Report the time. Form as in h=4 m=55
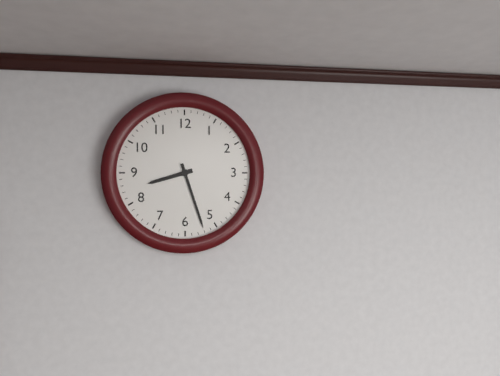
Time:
h=8 m=27
